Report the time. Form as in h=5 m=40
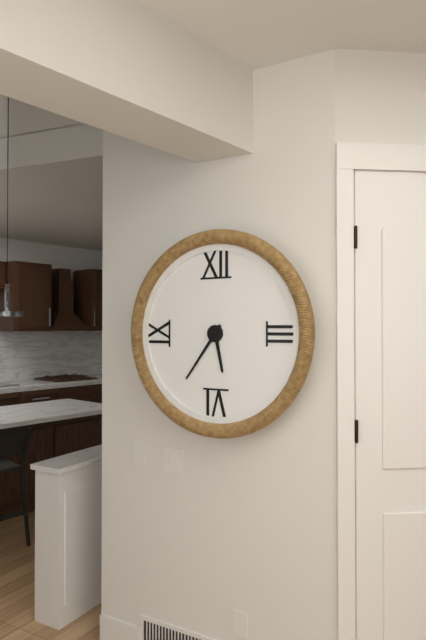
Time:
h=5 m=36
